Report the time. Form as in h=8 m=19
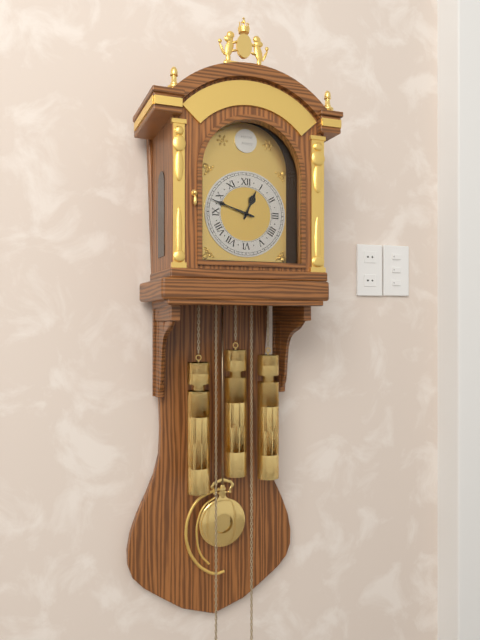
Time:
h=12 m=48
